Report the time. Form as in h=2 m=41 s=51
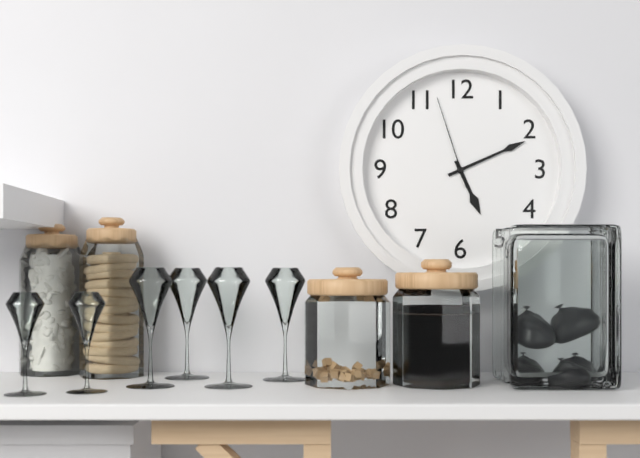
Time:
h=5 m=11 s=57
